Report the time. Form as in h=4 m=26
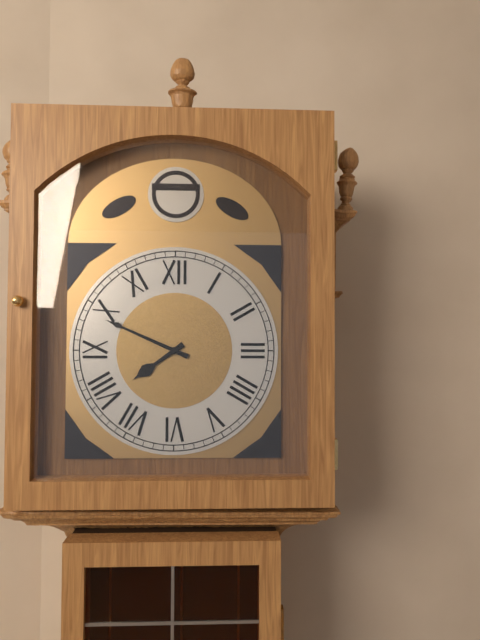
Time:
h=7 m=49
